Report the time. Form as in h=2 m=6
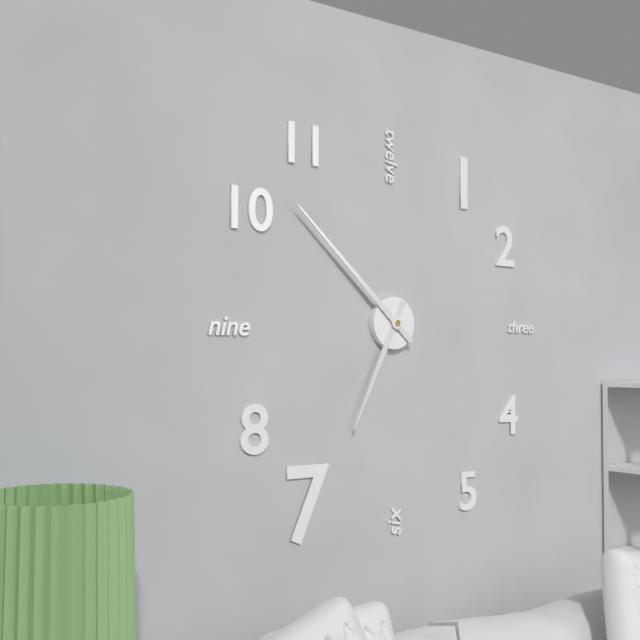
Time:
h=6 m=52
